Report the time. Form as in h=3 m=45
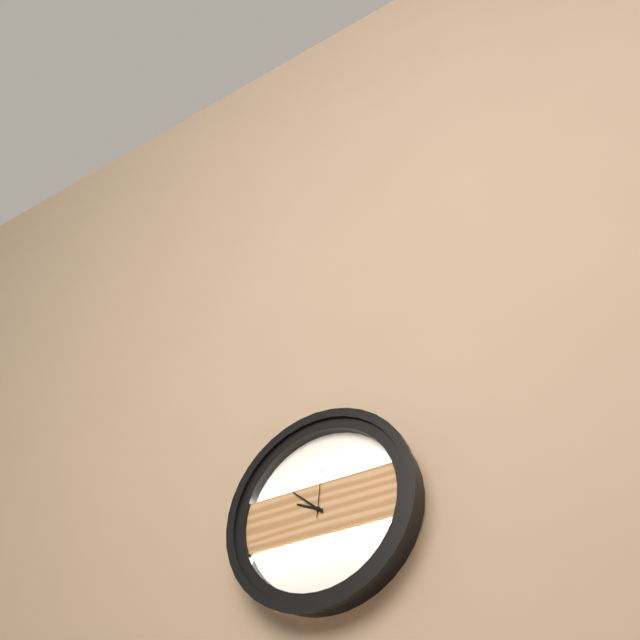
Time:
h=9 m=52
